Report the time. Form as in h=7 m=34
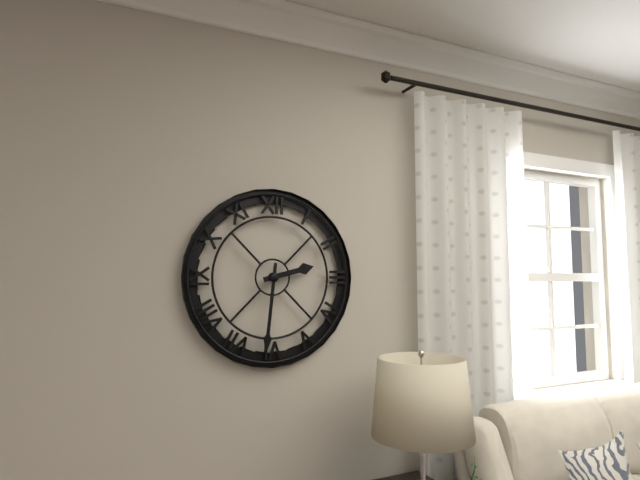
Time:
h=2 m=31
